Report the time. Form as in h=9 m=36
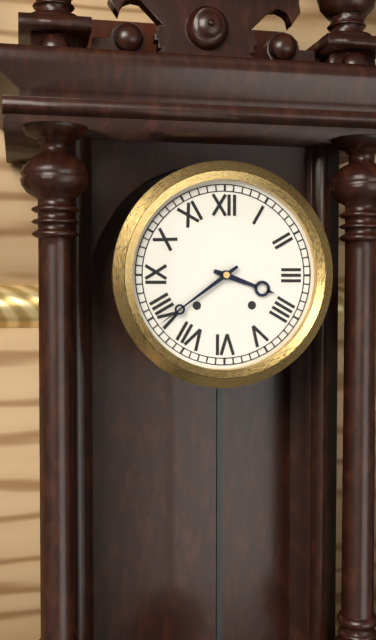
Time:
h=3 m=39
